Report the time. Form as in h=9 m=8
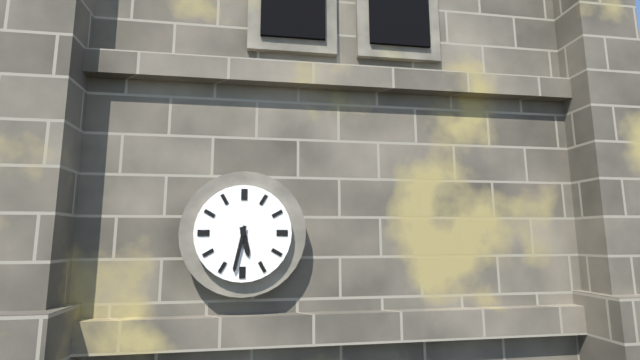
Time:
h=5 m=32
